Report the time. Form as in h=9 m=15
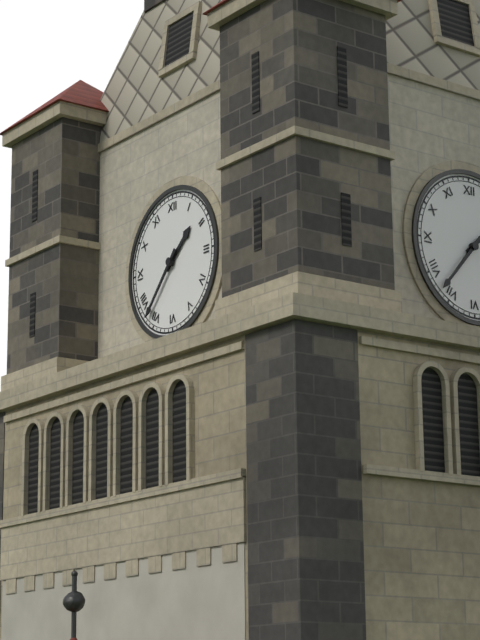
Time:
h=1 m=37
